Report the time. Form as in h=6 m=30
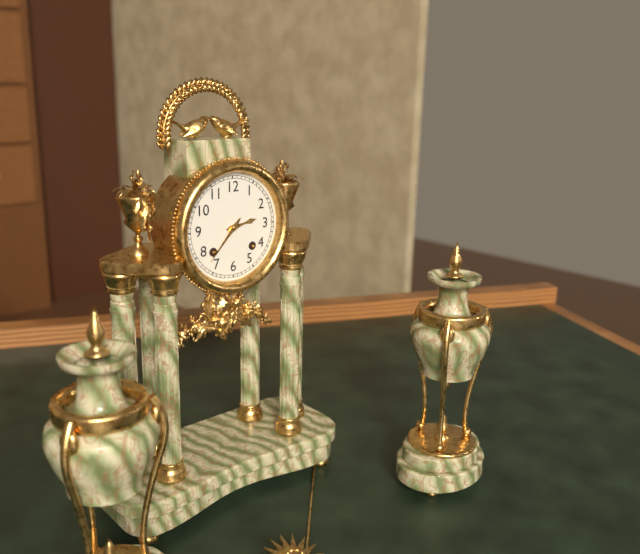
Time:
h=2 m=37
